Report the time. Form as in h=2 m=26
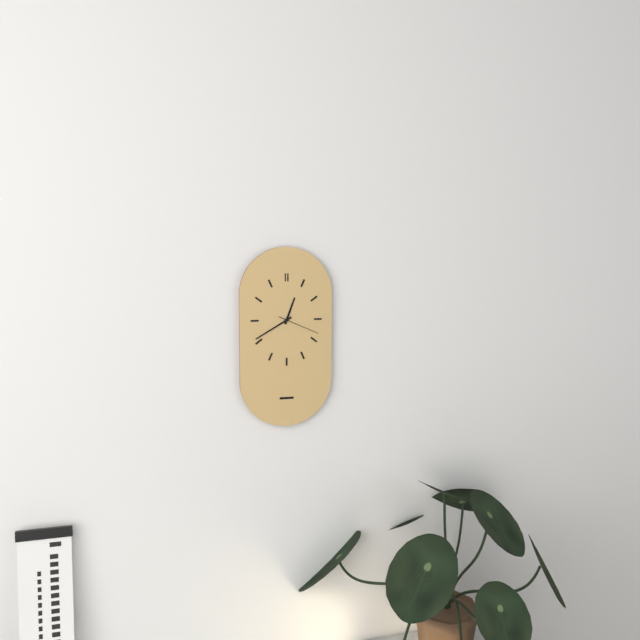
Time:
h=12 m=40
